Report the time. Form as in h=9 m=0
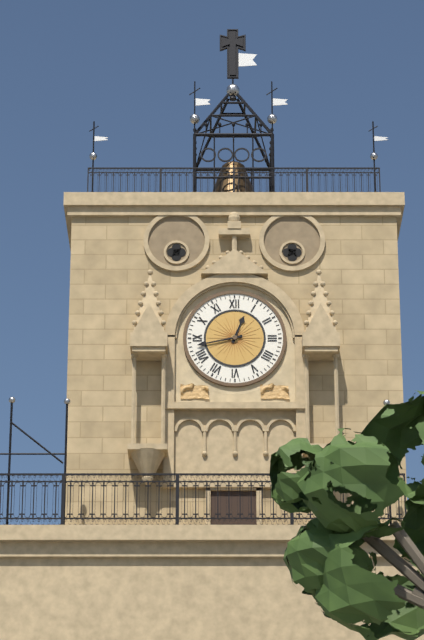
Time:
h=12 m=43
